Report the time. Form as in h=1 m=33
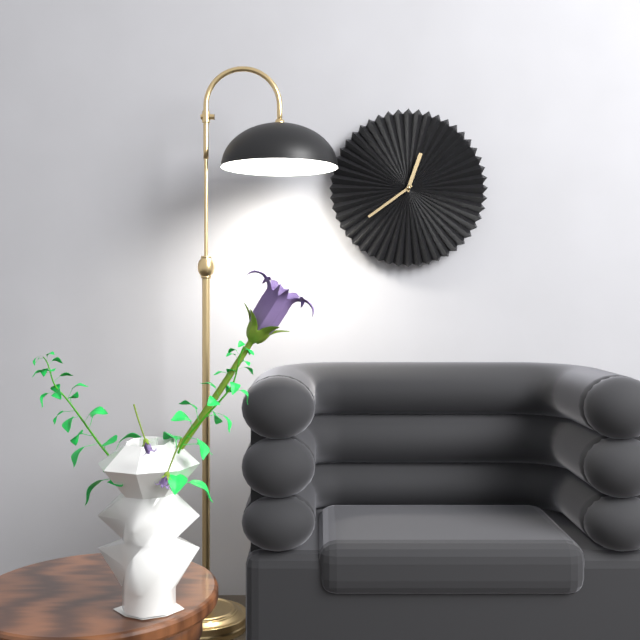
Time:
h=12 m=39
